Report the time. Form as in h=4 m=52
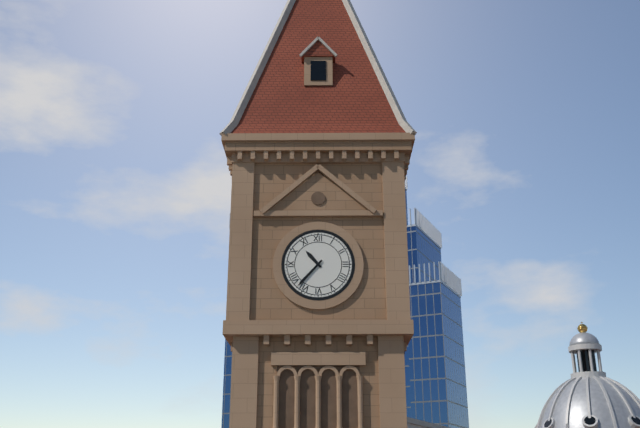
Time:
h=10 m=37
